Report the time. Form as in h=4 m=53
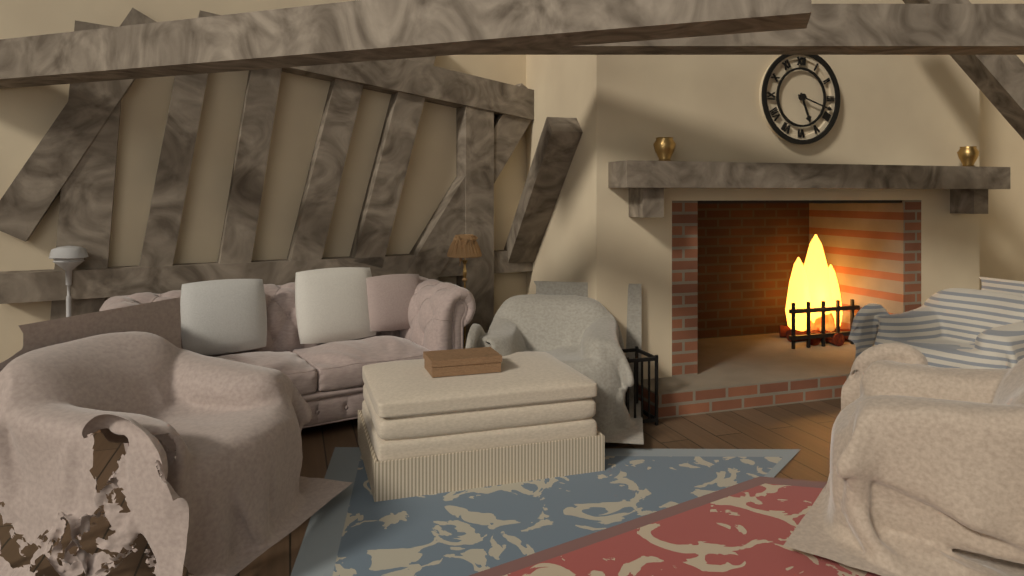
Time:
h=5 m=18
